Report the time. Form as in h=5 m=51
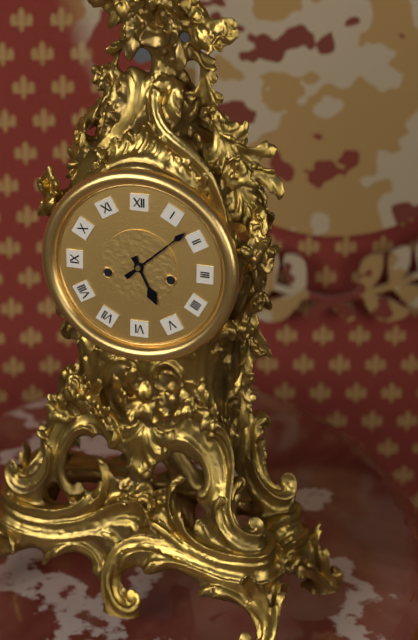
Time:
h=5 m=8
